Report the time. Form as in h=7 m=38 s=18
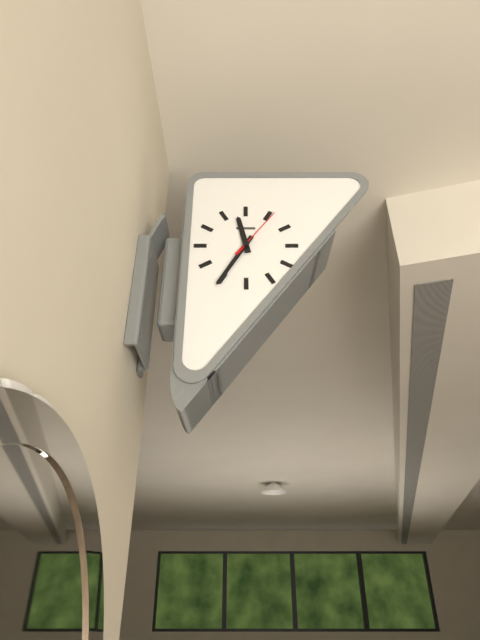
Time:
h=11 m=35 s=6
